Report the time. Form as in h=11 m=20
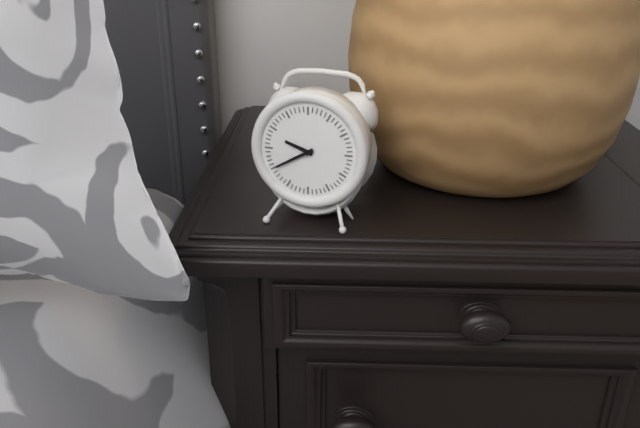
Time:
h=9 m=40
